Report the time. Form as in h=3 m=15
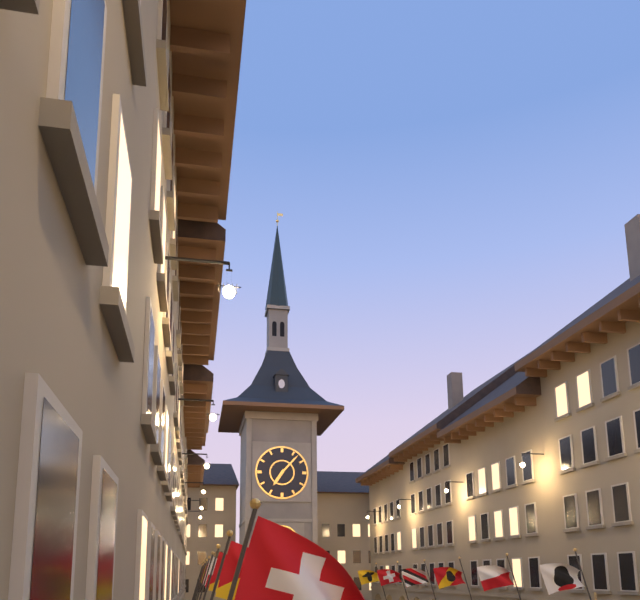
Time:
h=7 m=7
